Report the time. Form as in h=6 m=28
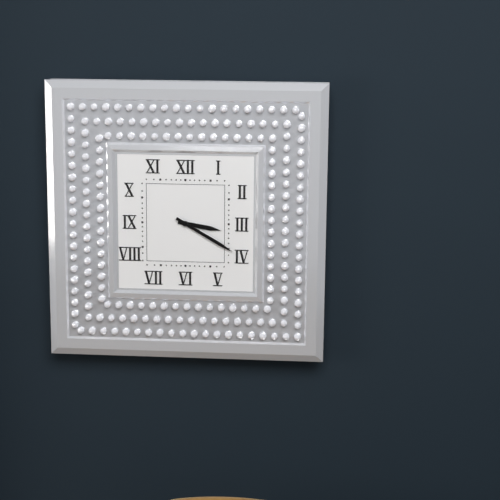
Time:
h=3 m=20
